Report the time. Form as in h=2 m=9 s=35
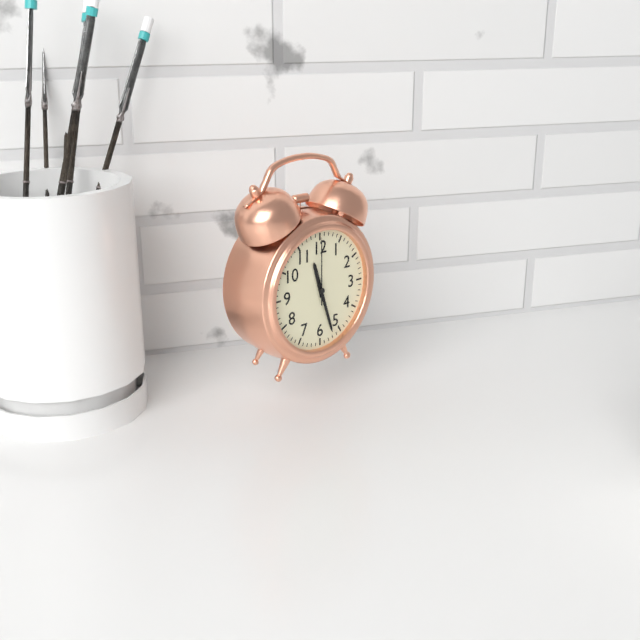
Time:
h=11 m=27 s=0
